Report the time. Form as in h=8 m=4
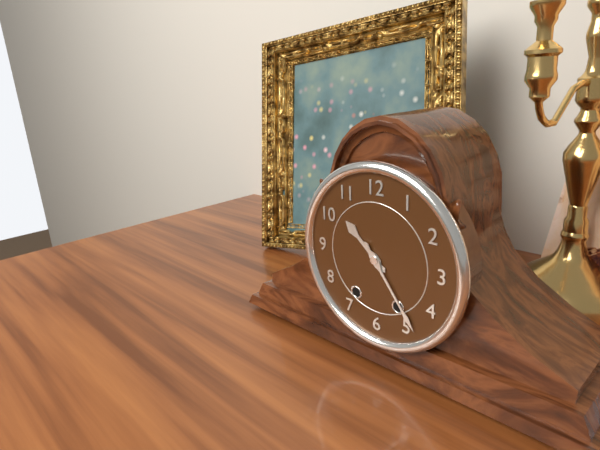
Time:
h=10 m=24
